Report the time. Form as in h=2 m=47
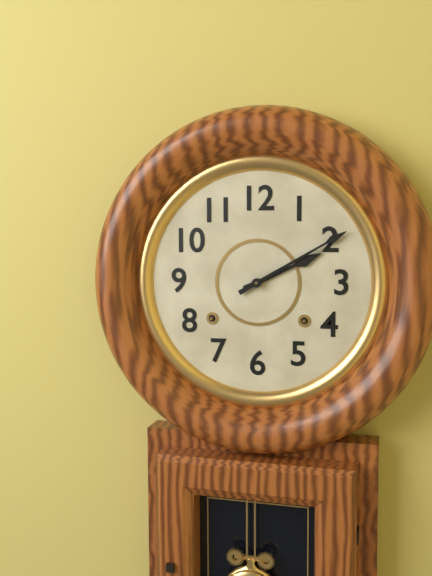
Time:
h=2 m=10
